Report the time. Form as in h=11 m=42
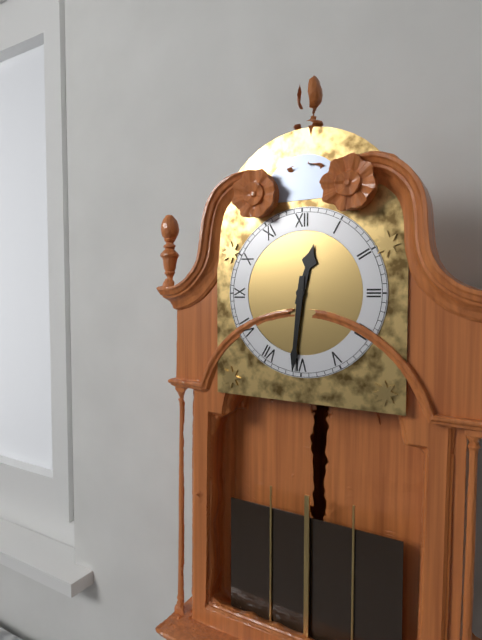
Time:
h=12 m=31
